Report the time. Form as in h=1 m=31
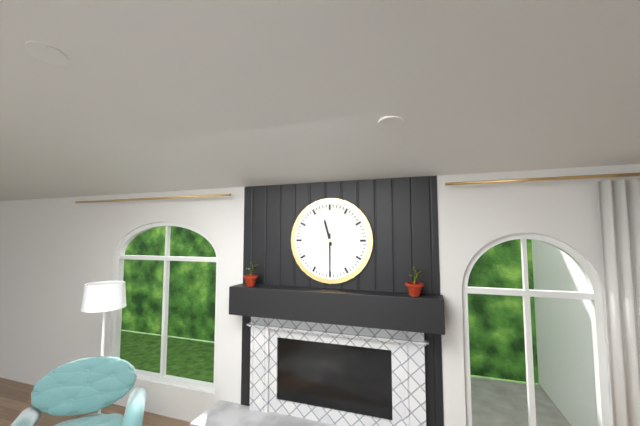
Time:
h=11 m=30
